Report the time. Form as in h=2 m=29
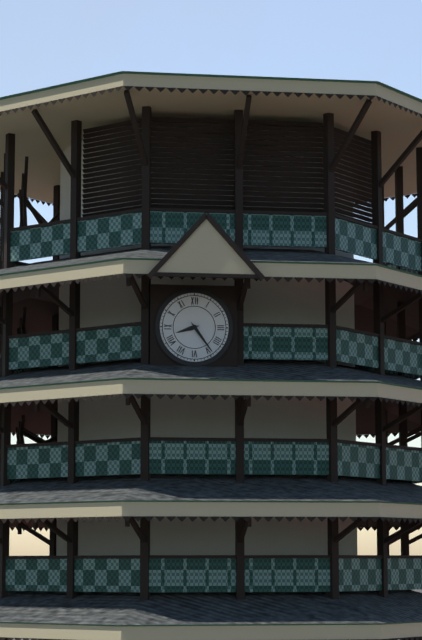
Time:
h=8 m=24
